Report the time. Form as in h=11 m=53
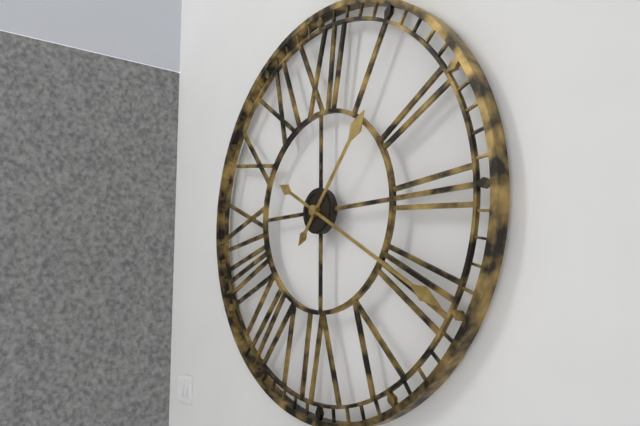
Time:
h=1 m=20
